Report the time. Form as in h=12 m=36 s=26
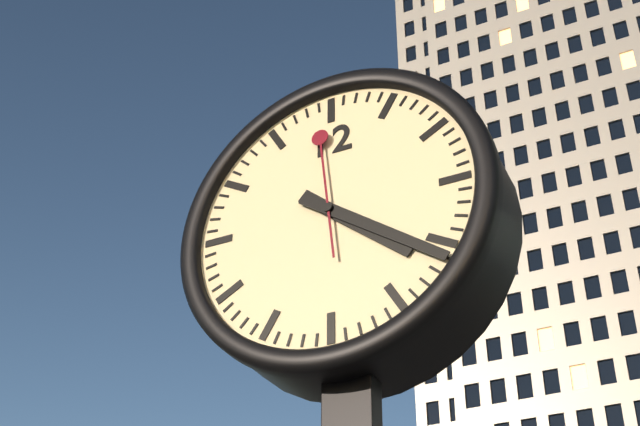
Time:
h=4 m=21 s=59
